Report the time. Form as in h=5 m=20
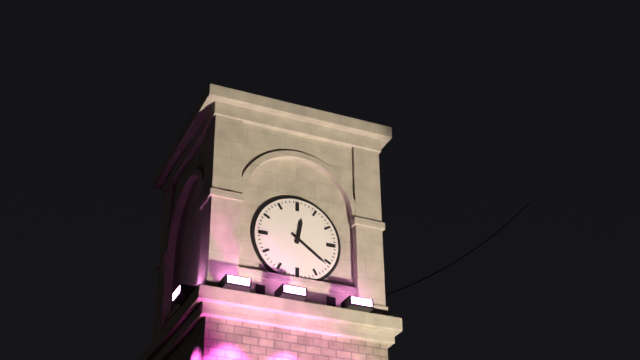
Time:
h=12 m=21
